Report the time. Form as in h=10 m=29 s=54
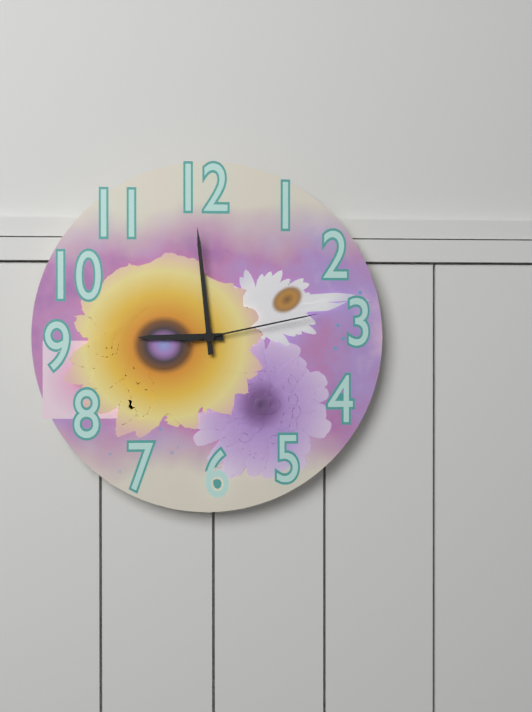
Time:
h=8 m=59 s=13
